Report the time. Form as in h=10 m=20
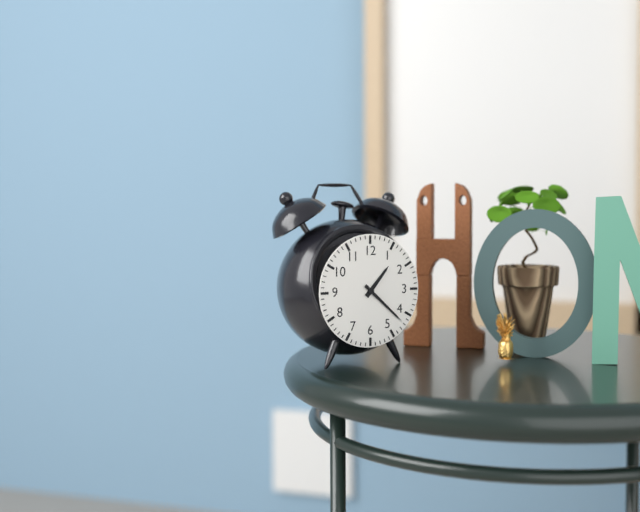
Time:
h=1 m=22
